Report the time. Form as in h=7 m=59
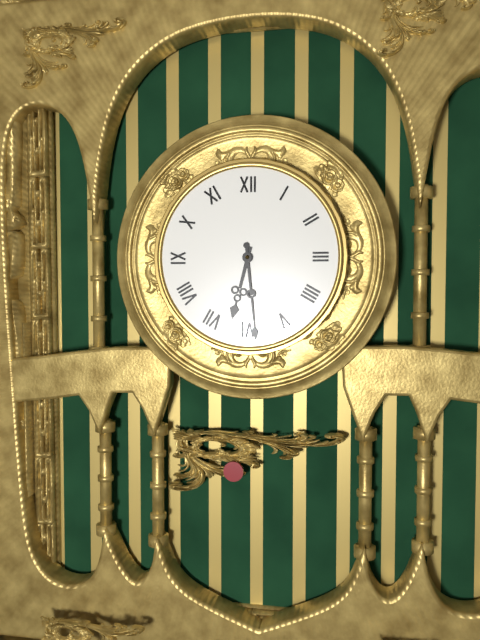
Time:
h=6 m=29
